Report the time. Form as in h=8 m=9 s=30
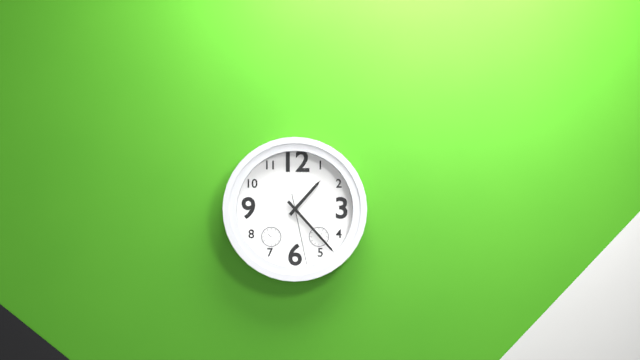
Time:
h=1 m=23 s=28
